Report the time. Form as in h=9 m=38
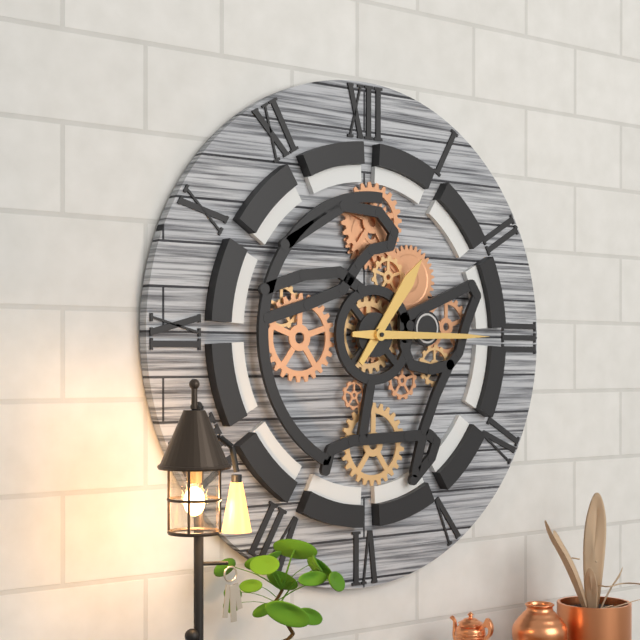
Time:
h=1 m=15
